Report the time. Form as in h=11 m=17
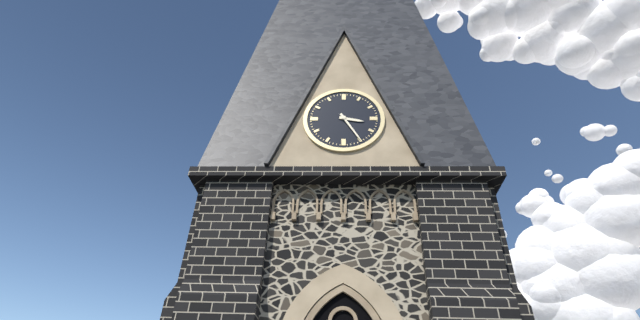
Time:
h=3 m=25
